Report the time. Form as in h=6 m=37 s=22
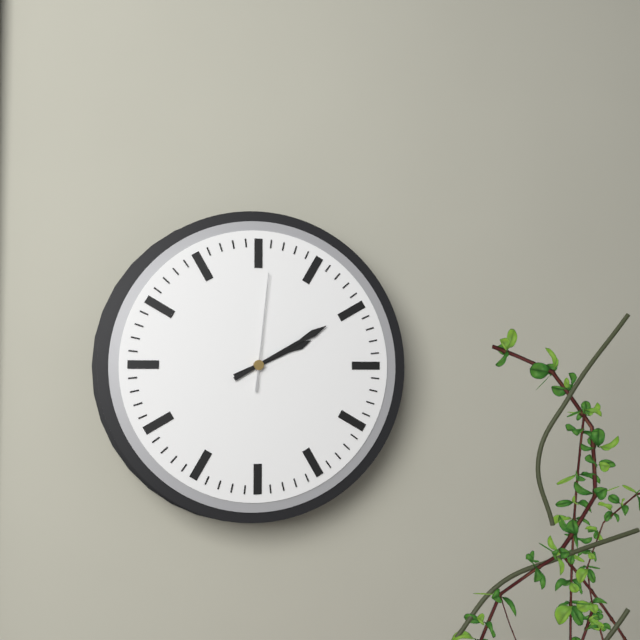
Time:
h=2 m=10 s=1
